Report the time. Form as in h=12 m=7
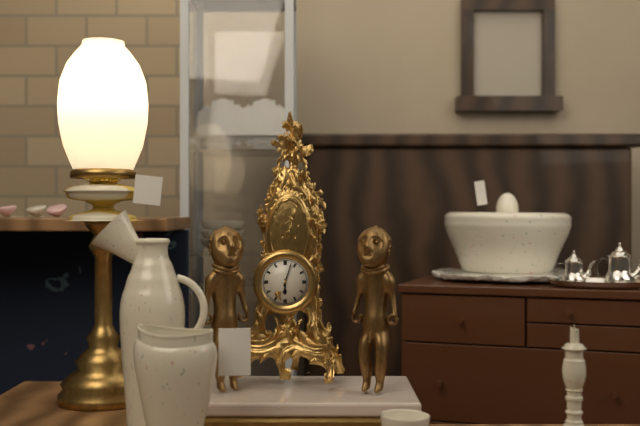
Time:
h=6 m=3
